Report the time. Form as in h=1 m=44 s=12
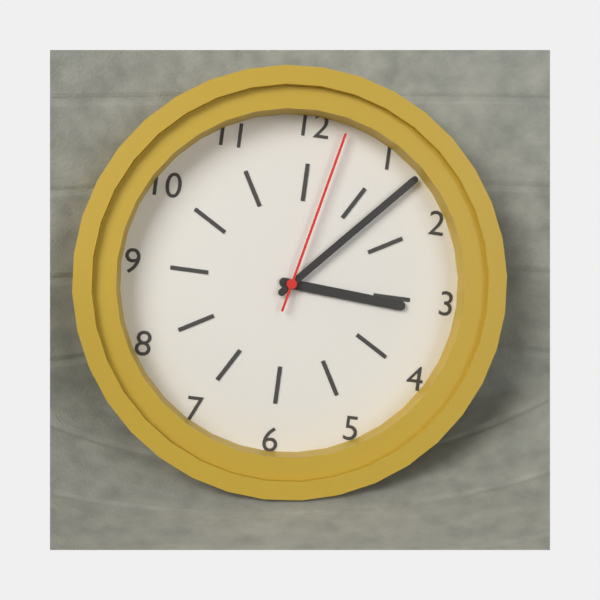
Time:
h=3 m=7 s=2
